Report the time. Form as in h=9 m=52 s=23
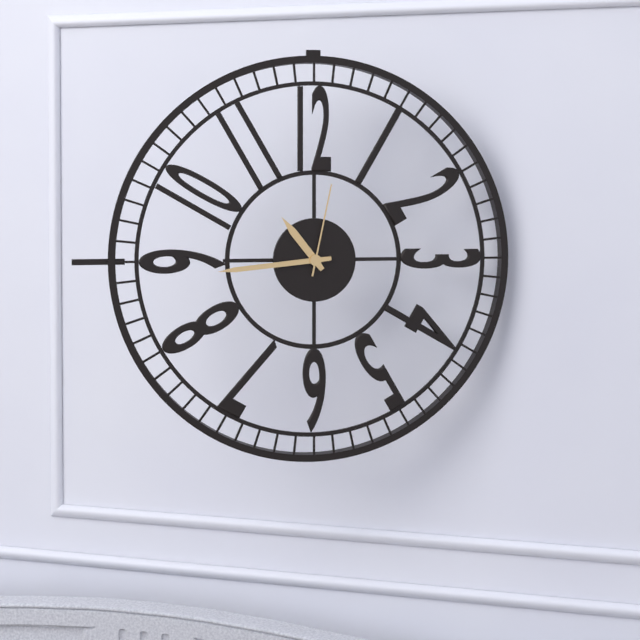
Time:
h=10 m=44 s=2
